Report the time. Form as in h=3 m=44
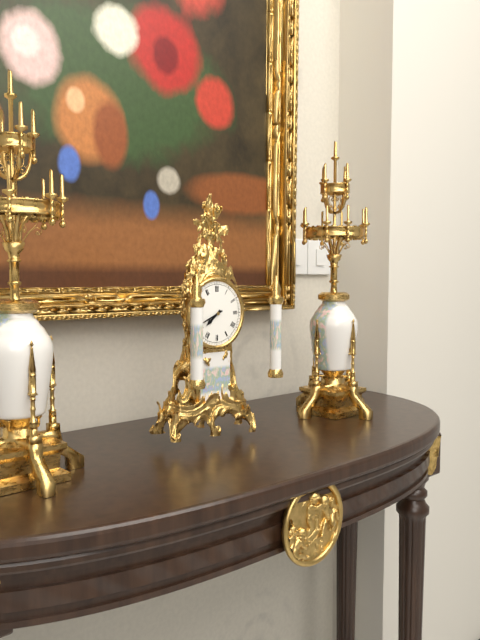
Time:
h=7 m=41
